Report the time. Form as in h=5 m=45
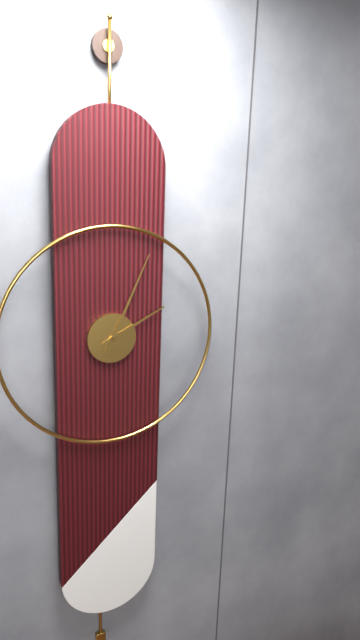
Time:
h=2 m=4
